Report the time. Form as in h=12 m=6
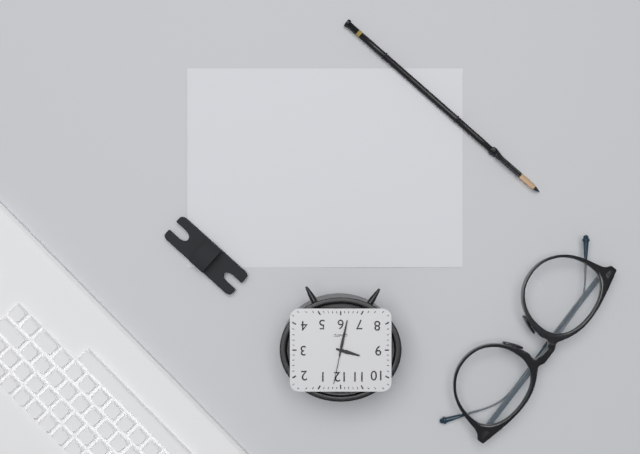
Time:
h=9 m=32
